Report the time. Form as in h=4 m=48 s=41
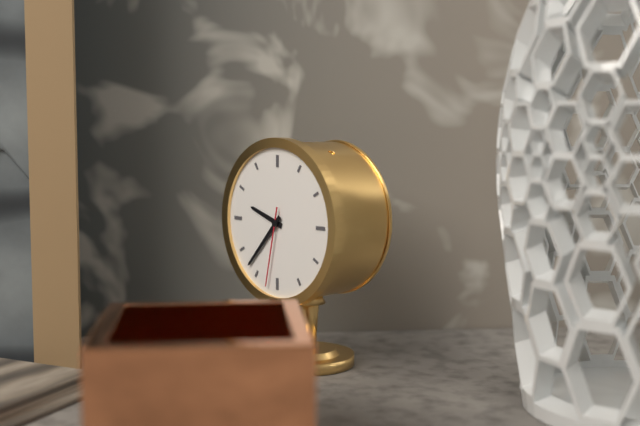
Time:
h=9 m=37 s=32
